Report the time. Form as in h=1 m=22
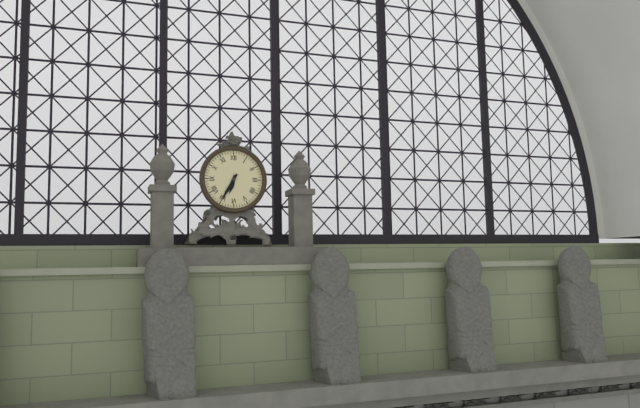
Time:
h=6 m=35
